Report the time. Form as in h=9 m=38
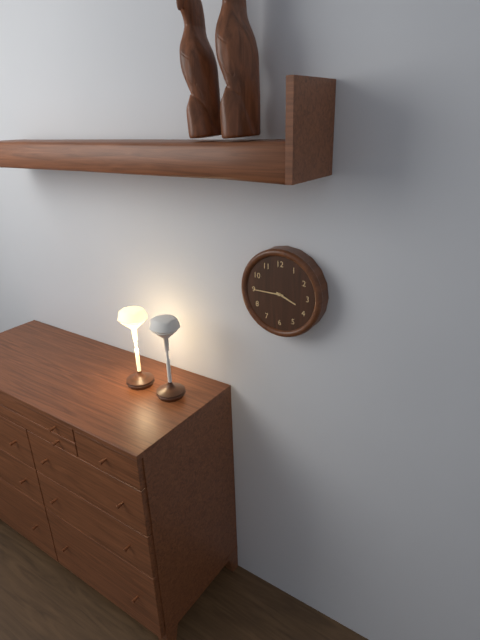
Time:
h=3 m=45
